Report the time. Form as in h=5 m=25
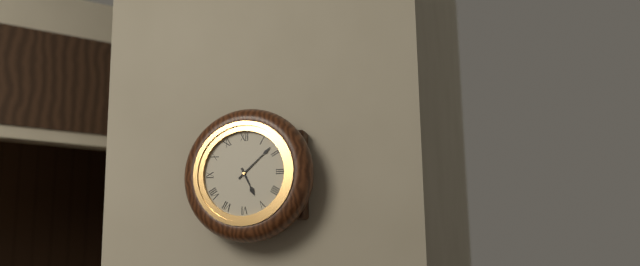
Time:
h=5 m=8
